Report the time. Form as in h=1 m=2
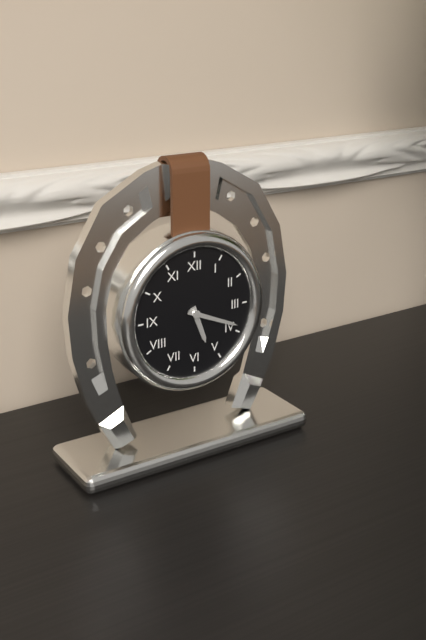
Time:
h=5 m=19
